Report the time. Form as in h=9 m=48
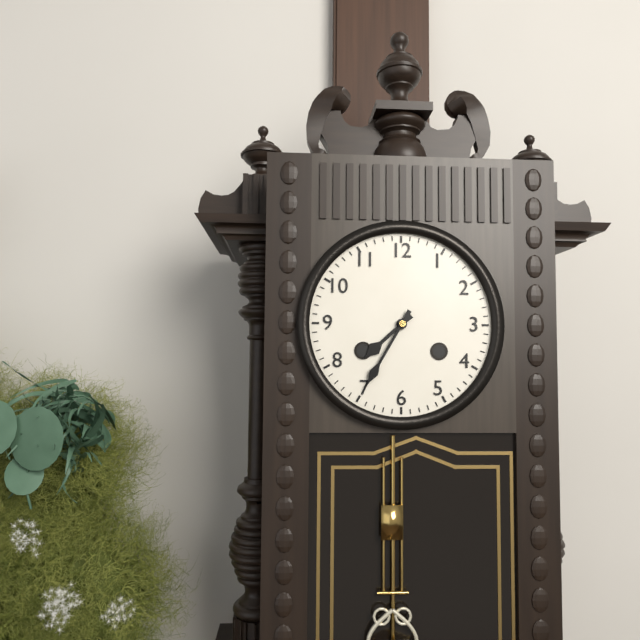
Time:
h=7 m=35
